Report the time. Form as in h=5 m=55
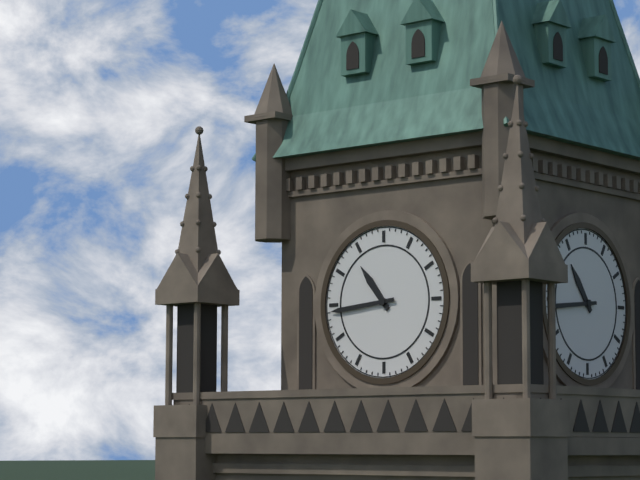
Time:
h=10 m=44
